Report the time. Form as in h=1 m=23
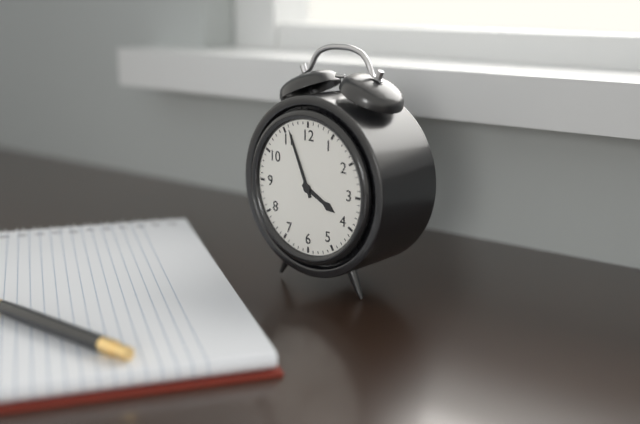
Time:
h=3 m=56
